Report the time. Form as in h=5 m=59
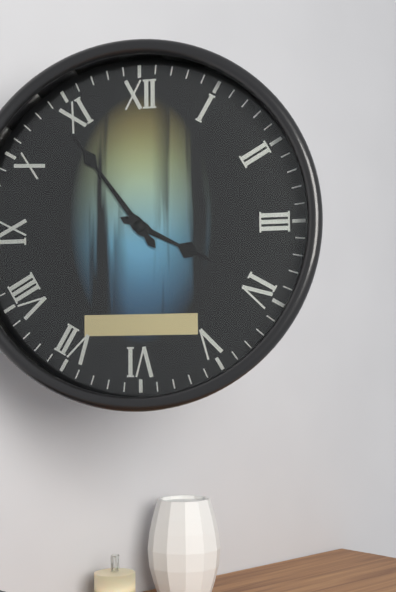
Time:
h=3 m=54
